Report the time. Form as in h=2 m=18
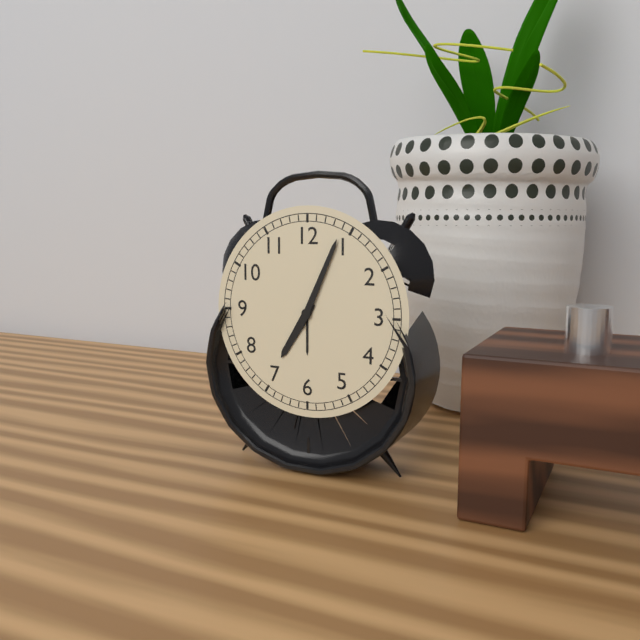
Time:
h=7 m=4
